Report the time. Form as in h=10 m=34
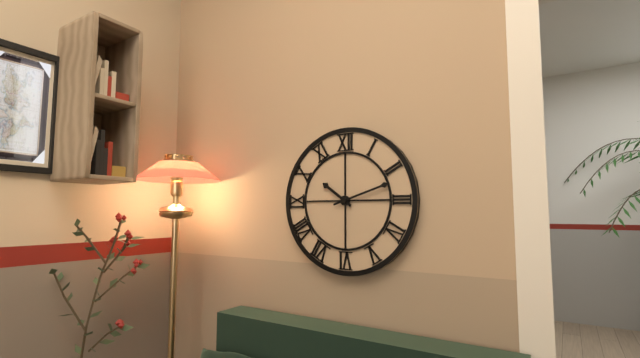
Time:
h=10 m=12
